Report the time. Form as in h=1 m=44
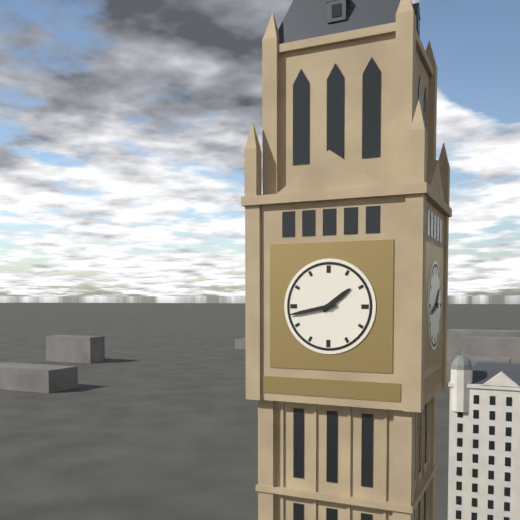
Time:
h=1 m=43
